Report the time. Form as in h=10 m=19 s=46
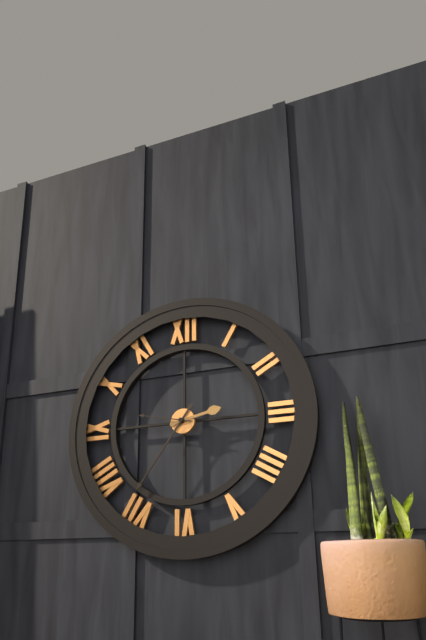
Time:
h=2 m=36 s=47
